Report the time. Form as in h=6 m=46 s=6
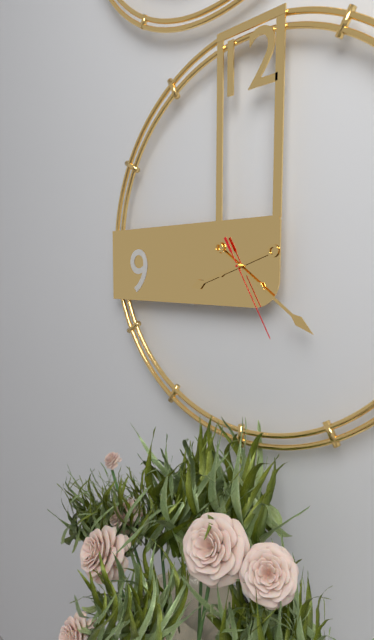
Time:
h=8 m=21 s=25
